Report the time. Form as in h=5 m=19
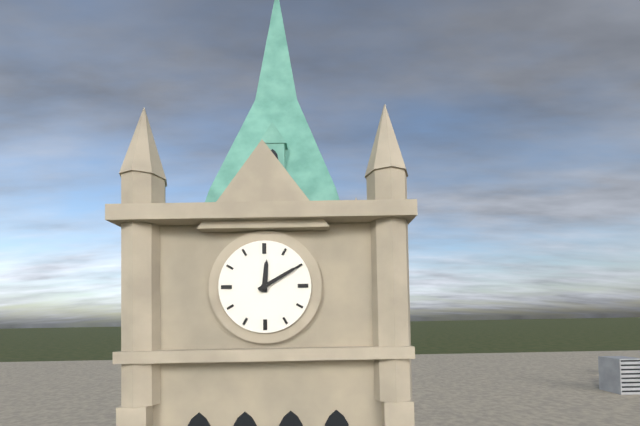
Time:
h=12 m=10
